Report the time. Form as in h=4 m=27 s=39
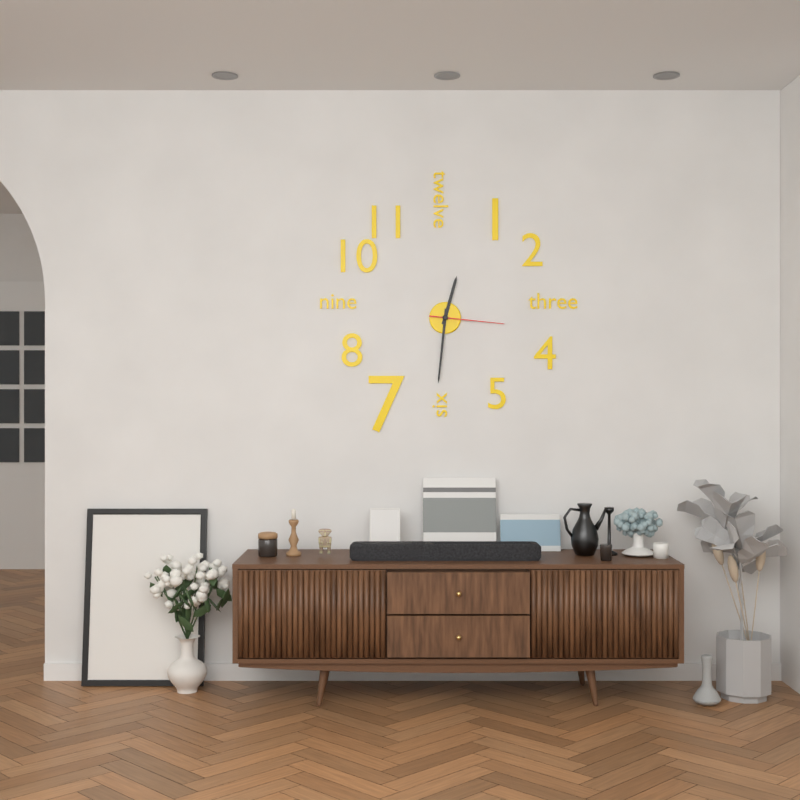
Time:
h=12 m=31 s=16
